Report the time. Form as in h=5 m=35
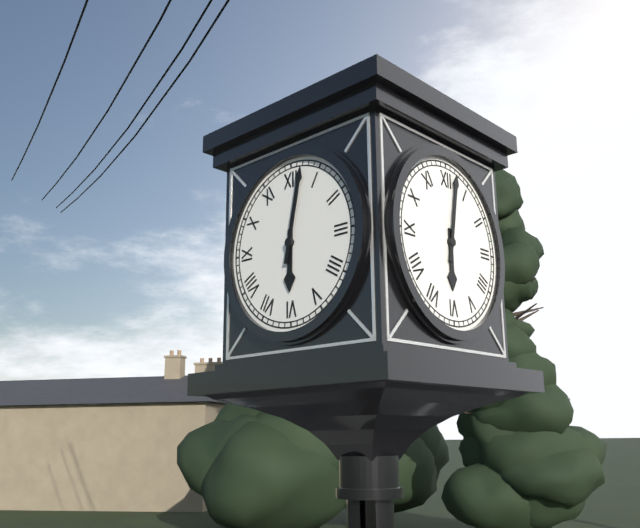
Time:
h=6 m=2
